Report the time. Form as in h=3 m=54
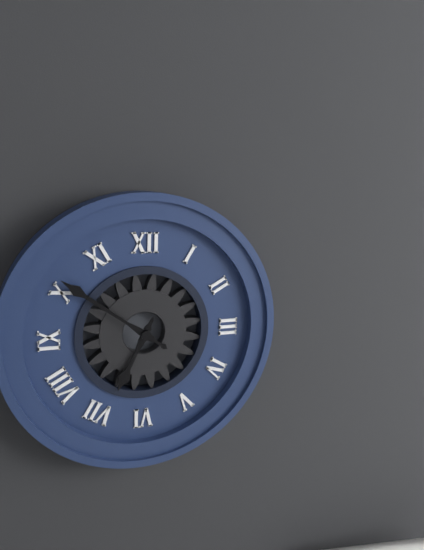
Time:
h=6 m=51
